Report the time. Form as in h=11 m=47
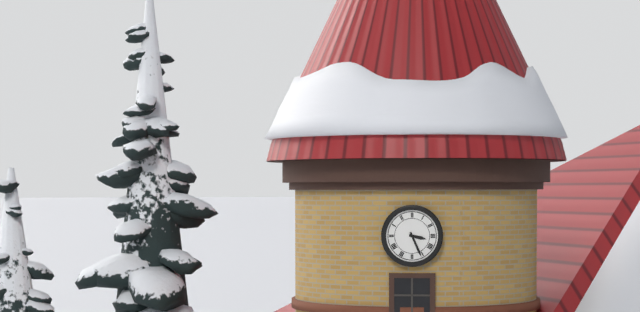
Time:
h=3 m=26
